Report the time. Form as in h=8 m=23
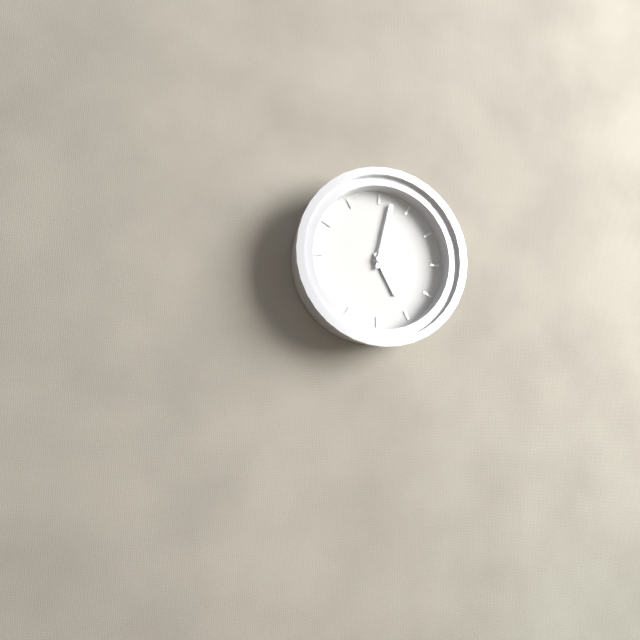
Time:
h=5 m=2
